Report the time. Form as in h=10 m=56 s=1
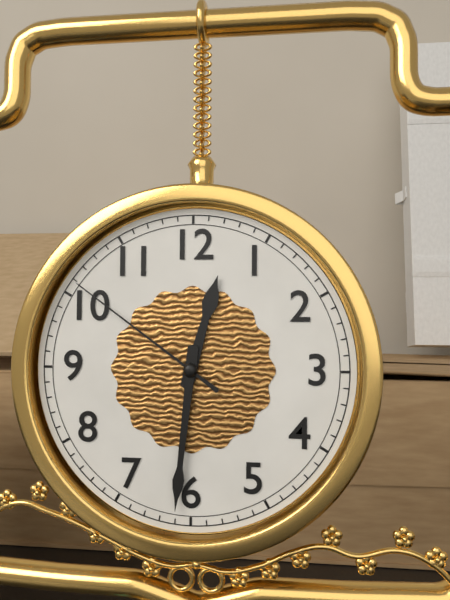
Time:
h=12 m=31 s=51
